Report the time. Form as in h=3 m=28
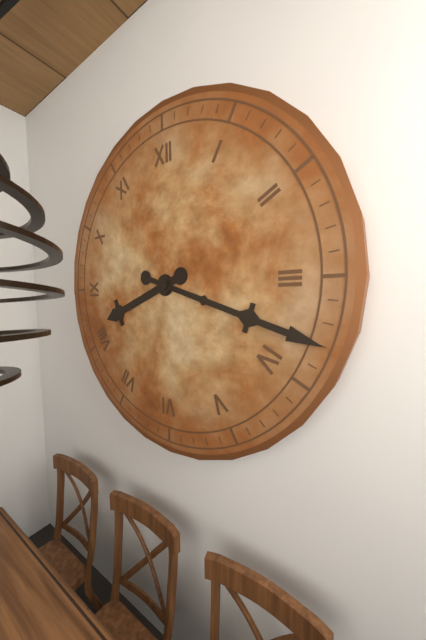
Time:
h=8 m=18
